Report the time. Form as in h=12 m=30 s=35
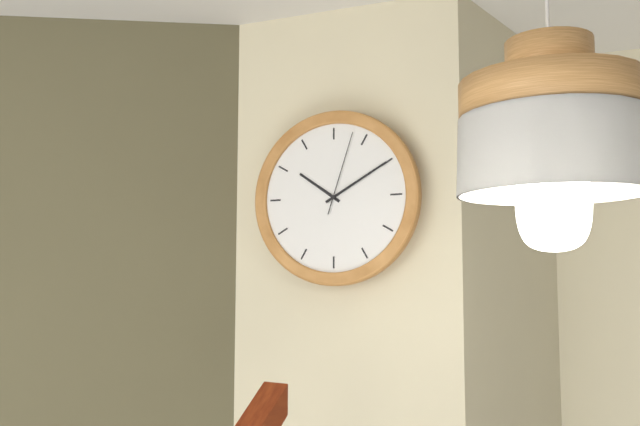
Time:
h=10 m=10 s=3
